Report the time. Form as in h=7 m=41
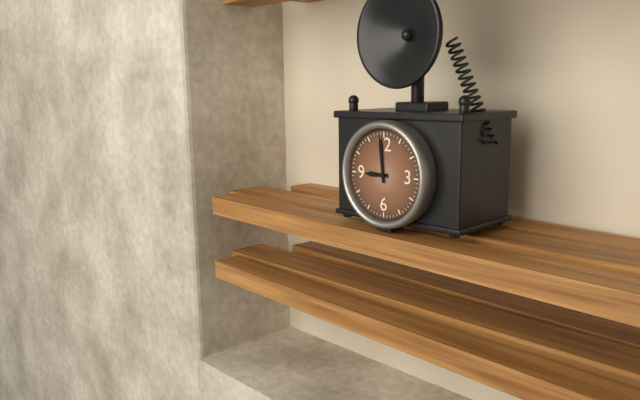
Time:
h=8 m=59
